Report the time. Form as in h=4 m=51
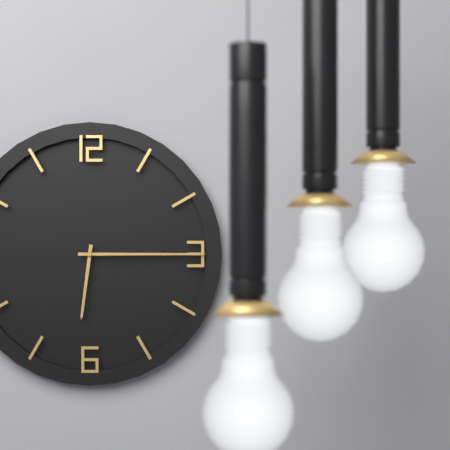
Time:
h=6 m=15
